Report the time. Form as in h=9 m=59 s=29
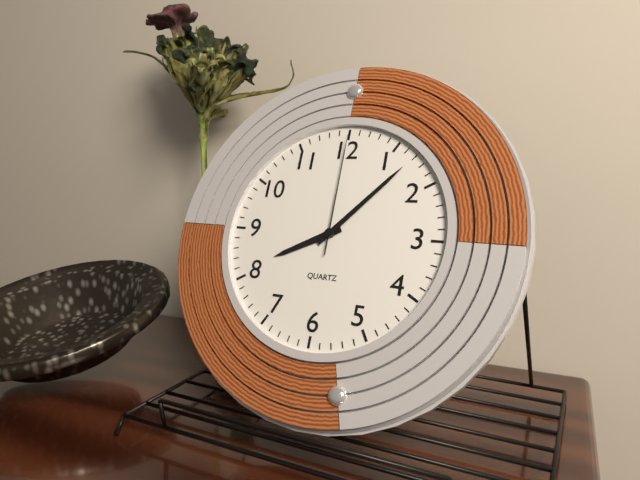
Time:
h=8 m=7 s=0
